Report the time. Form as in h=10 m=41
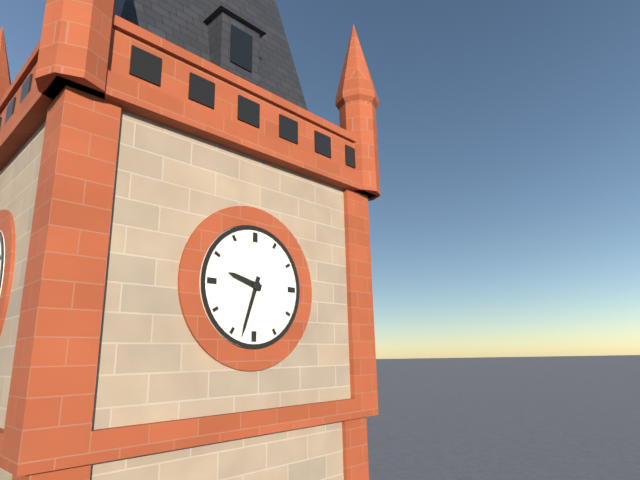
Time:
h=9 m=33
